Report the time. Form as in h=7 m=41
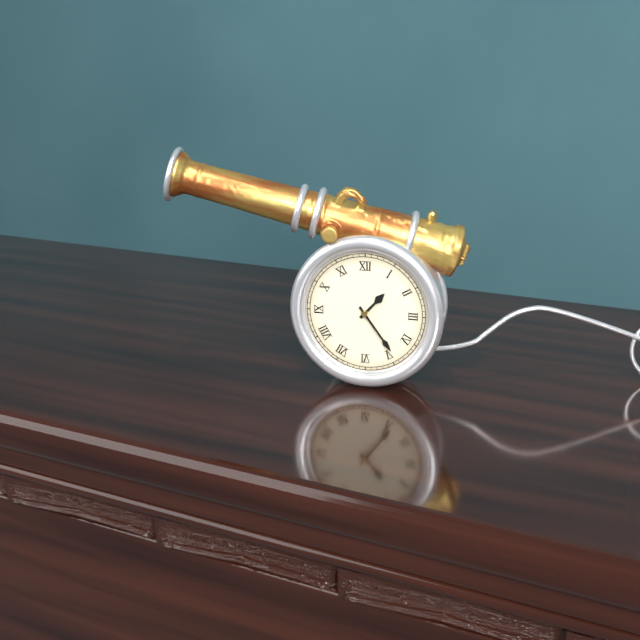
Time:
h=1 m=24
